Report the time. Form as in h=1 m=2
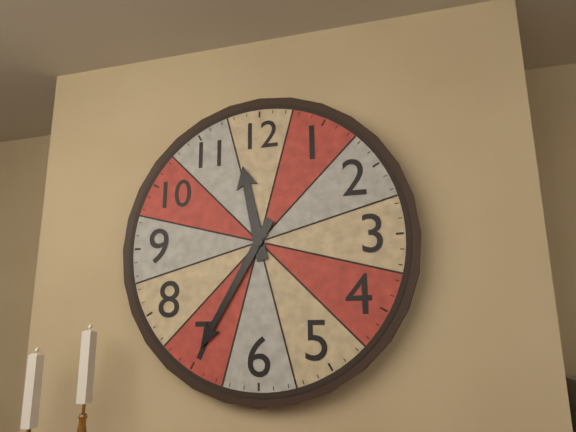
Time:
h=11 m=35
